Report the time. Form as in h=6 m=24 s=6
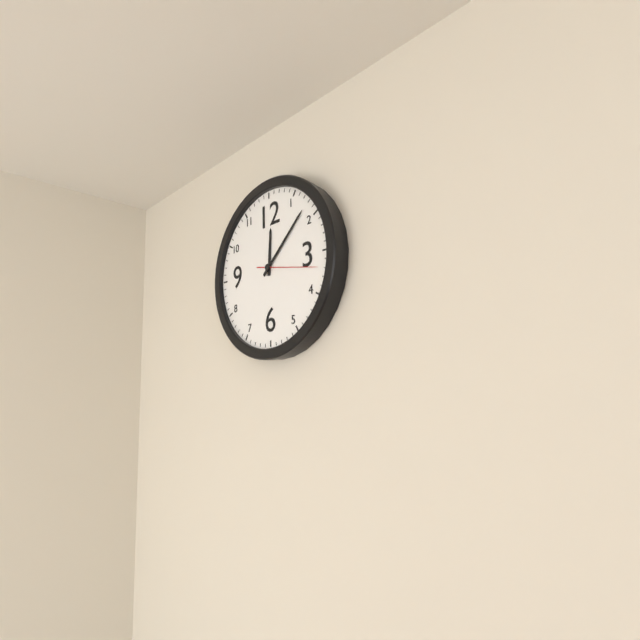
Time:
h=12 m=8 s=17
